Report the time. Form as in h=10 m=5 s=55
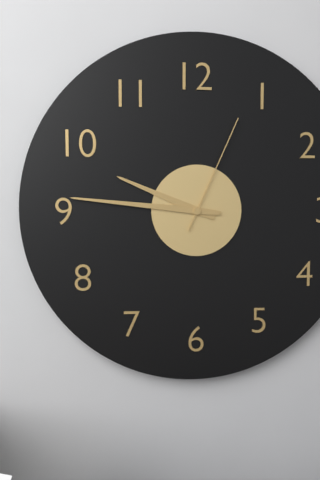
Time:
h=9 m=46 s=4
